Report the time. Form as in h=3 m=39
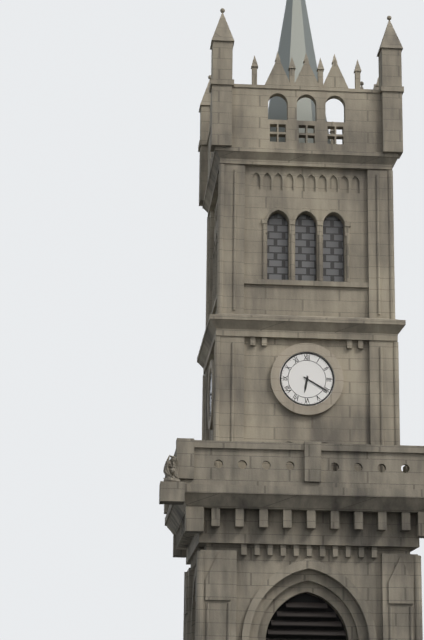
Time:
h=6 m=20
